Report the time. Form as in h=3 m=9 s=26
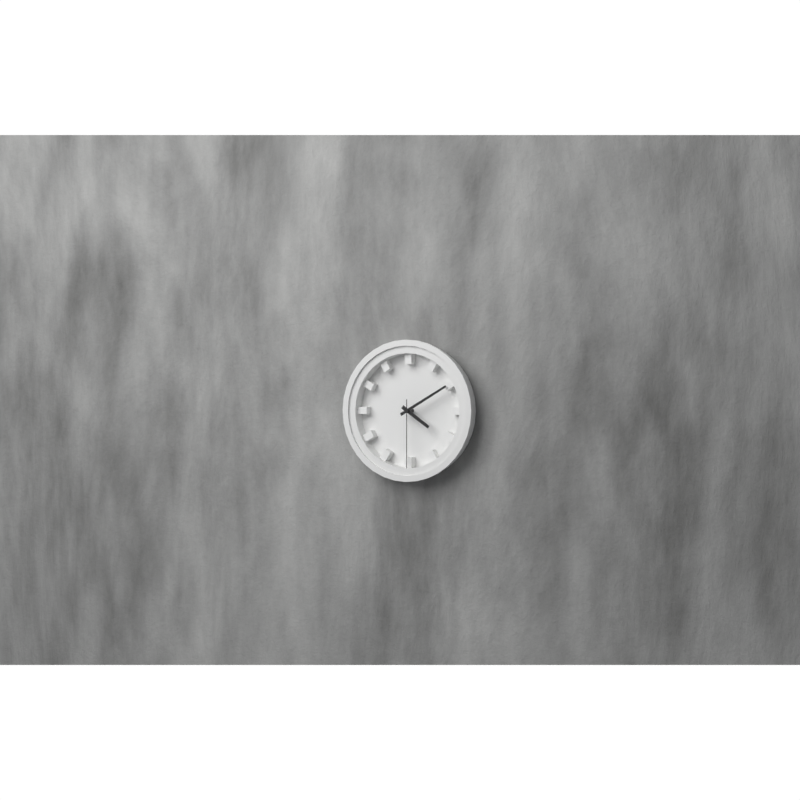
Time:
h=4 m=10 s=30
